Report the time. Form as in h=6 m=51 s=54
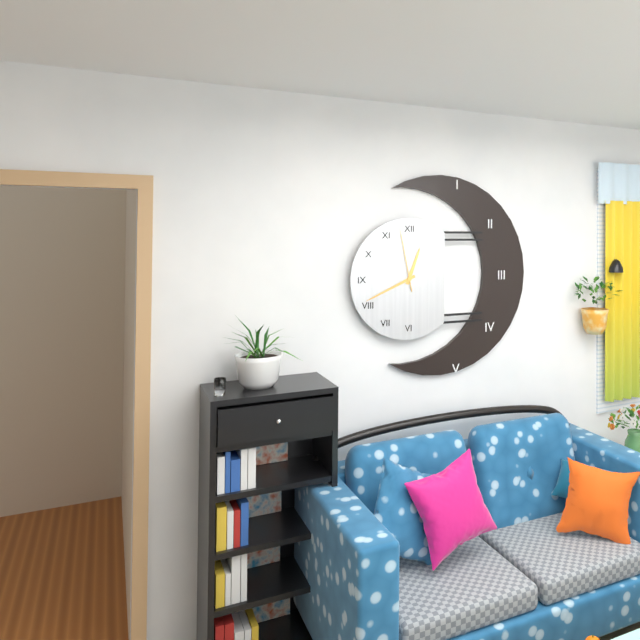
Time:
h=12 m=41 s=58
